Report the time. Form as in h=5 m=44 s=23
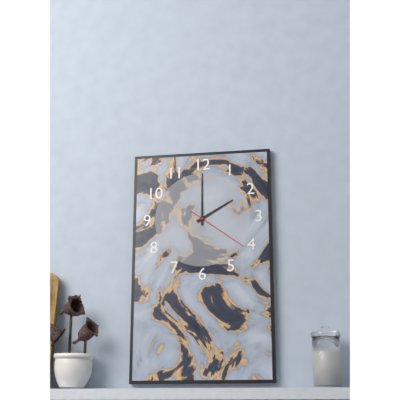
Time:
h=2 m=0 s=21
